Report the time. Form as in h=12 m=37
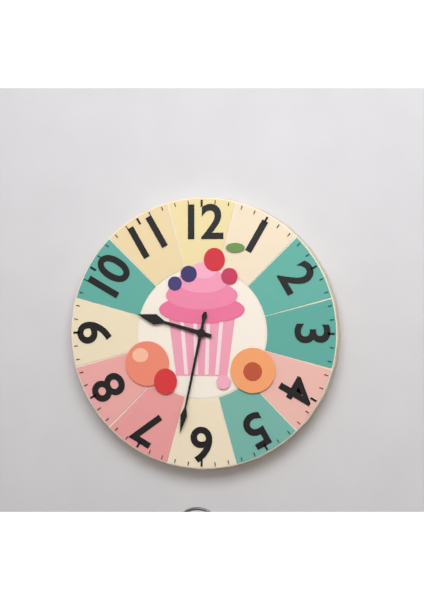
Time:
h=9 m=32
